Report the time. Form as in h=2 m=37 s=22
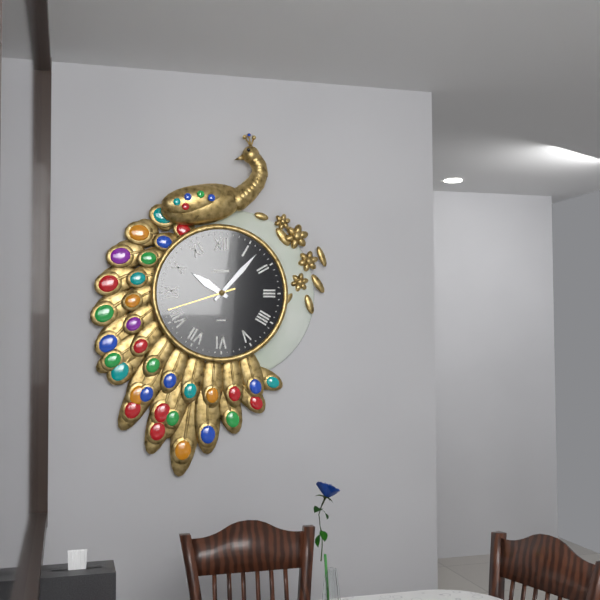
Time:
h=10 m=7 s=42
